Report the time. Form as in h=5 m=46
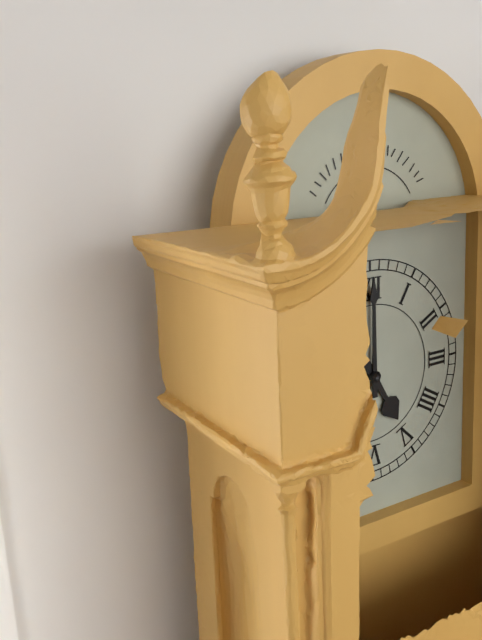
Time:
h=5 m=0
